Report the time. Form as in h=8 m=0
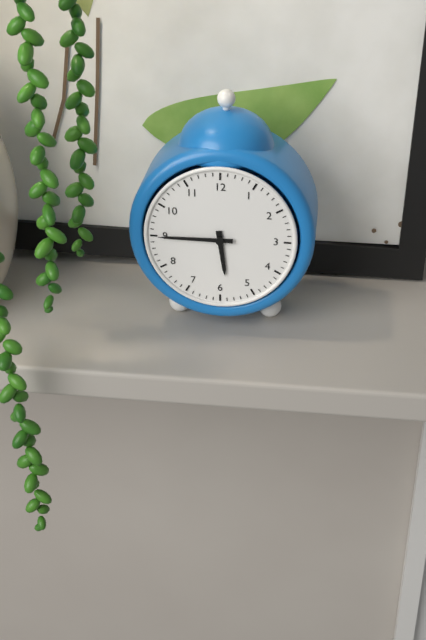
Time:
h=5 m=45
